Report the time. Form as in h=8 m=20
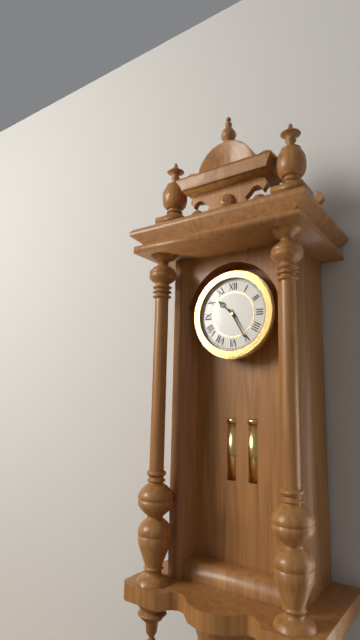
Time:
h=10 m=25
